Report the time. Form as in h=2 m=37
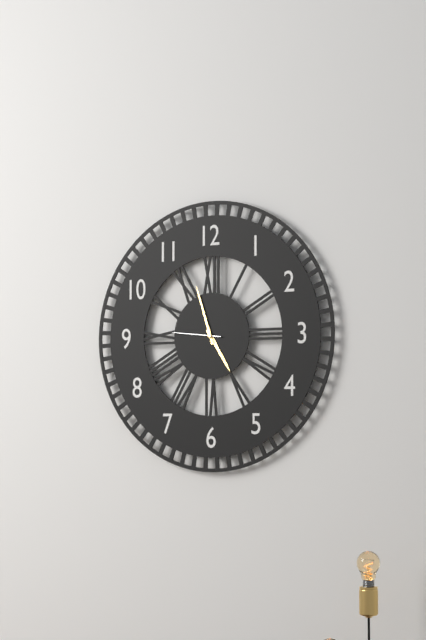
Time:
h=4 m=57
